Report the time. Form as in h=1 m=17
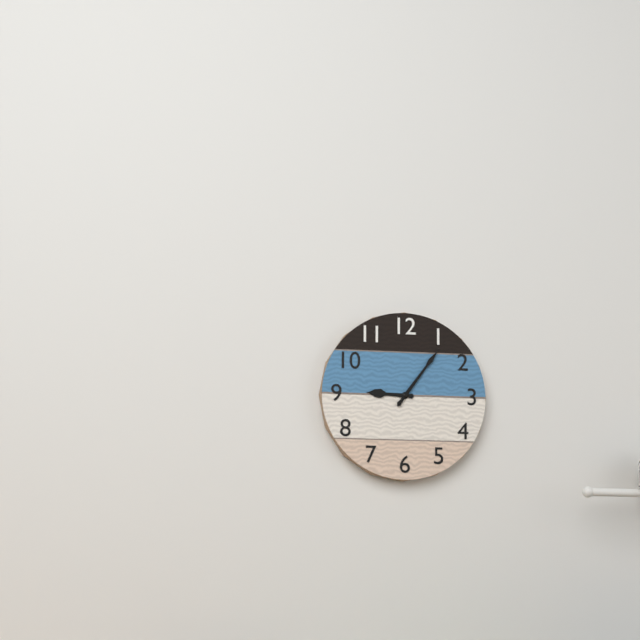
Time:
h=9 m=6
